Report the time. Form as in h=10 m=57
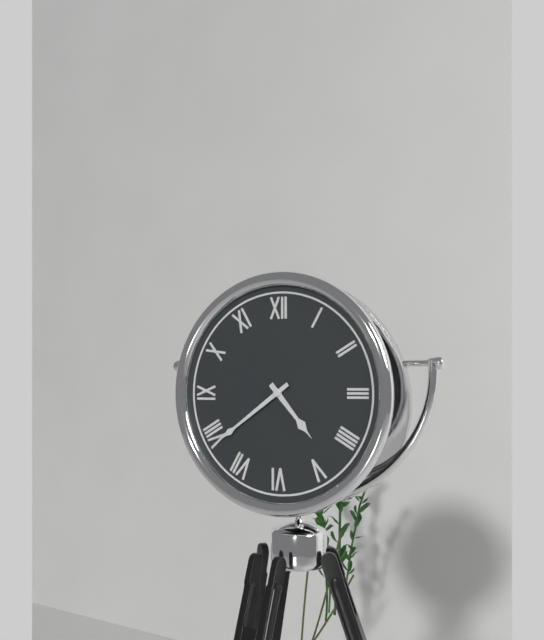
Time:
h=4 m=39
